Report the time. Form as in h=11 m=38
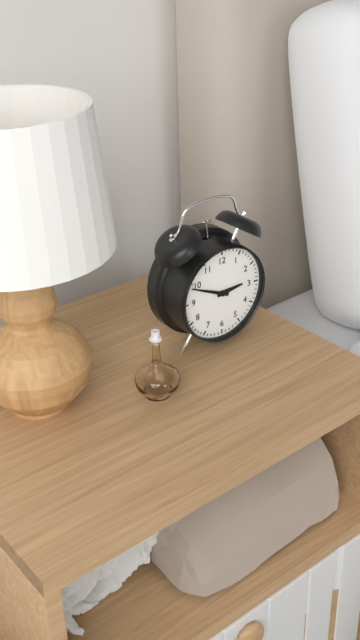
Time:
h=2 m=49
